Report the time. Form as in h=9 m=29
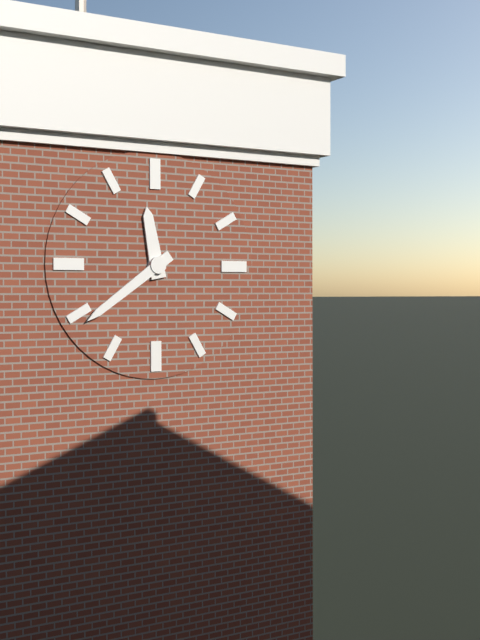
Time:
h=11 m=39
